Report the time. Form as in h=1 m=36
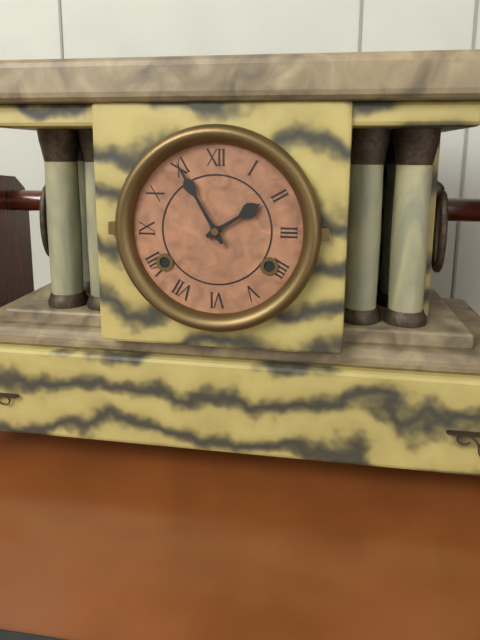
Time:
h=1 m=55
